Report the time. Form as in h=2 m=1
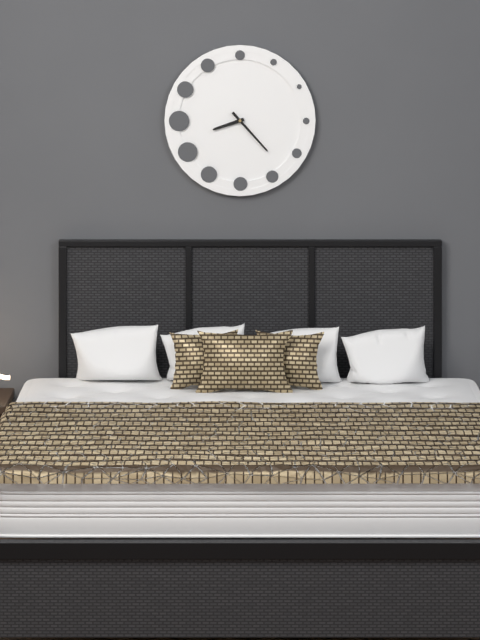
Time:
h=8 m=23
